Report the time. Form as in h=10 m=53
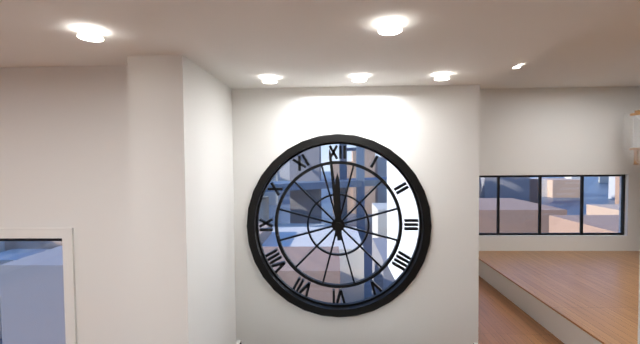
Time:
h=11 m=59
